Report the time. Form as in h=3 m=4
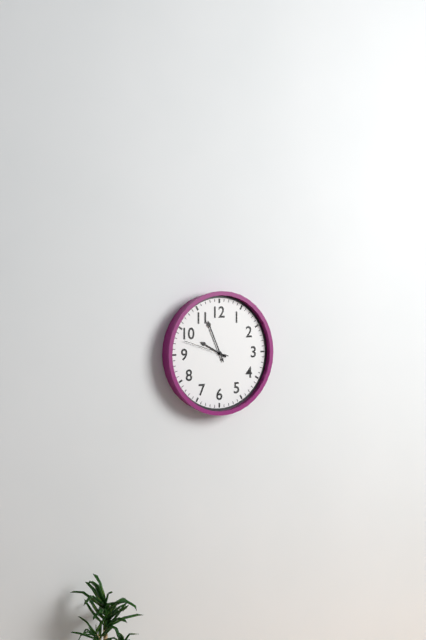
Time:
h=9 m=56
